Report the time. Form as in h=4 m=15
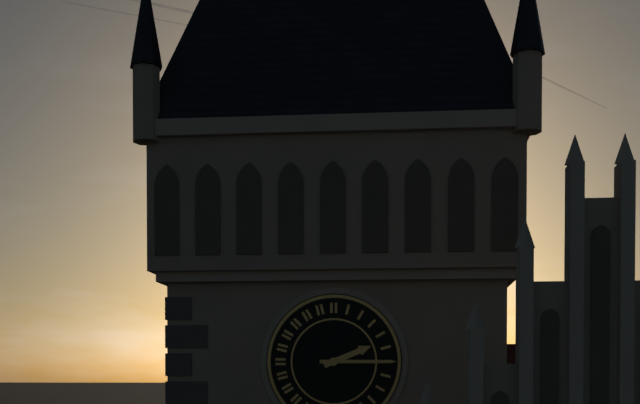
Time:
h=2 m=15
